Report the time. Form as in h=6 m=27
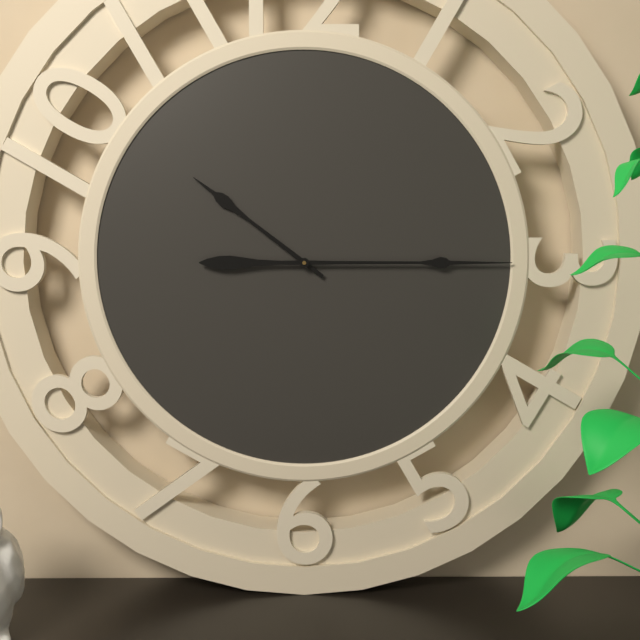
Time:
h=10 m=15
